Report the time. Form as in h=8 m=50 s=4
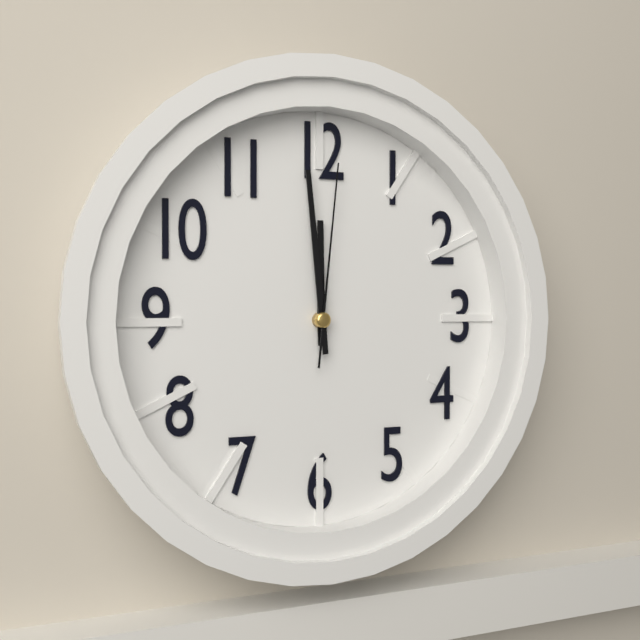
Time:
h=11 m=59 s=1
